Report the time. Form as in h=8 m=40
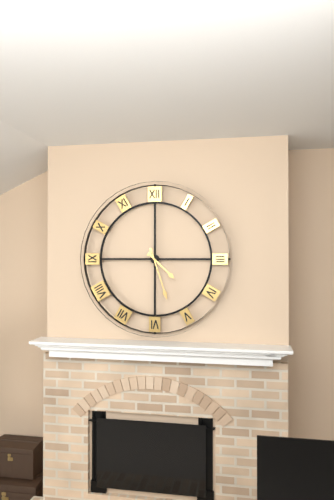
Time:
h=4 m=27
